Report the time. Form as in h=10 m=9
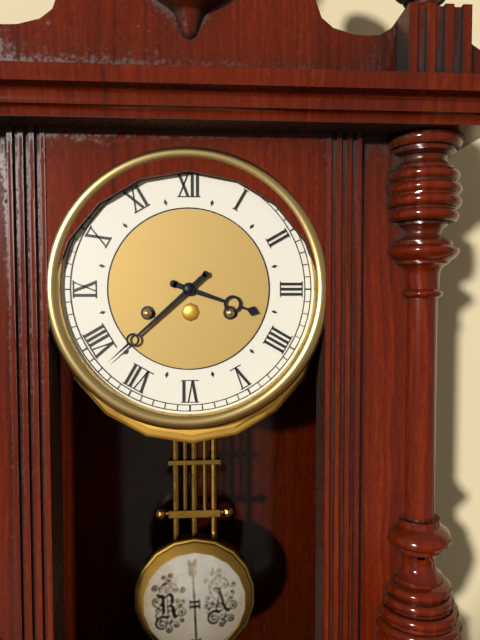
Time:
h=3 m=38
